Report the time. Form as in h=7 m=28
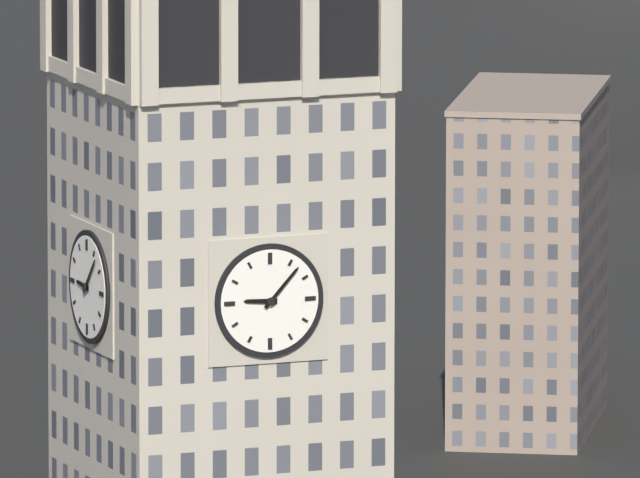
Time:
h=9 m=7
